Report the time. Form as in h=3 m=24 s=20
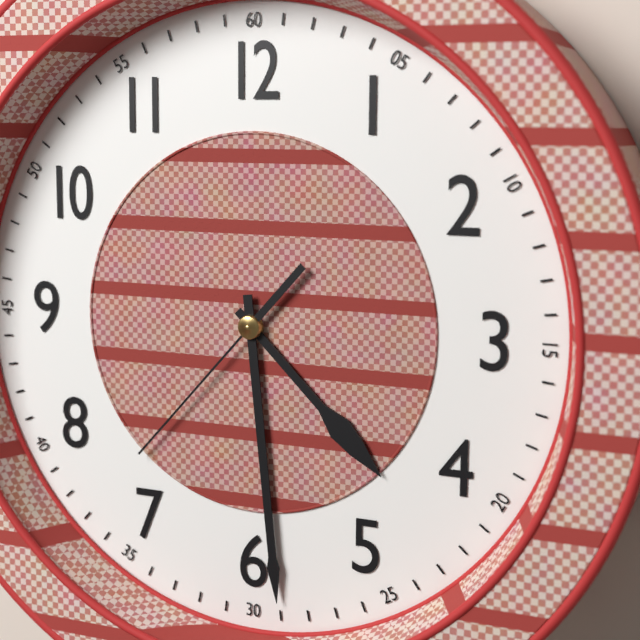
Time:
h=4 m=29 s=37
